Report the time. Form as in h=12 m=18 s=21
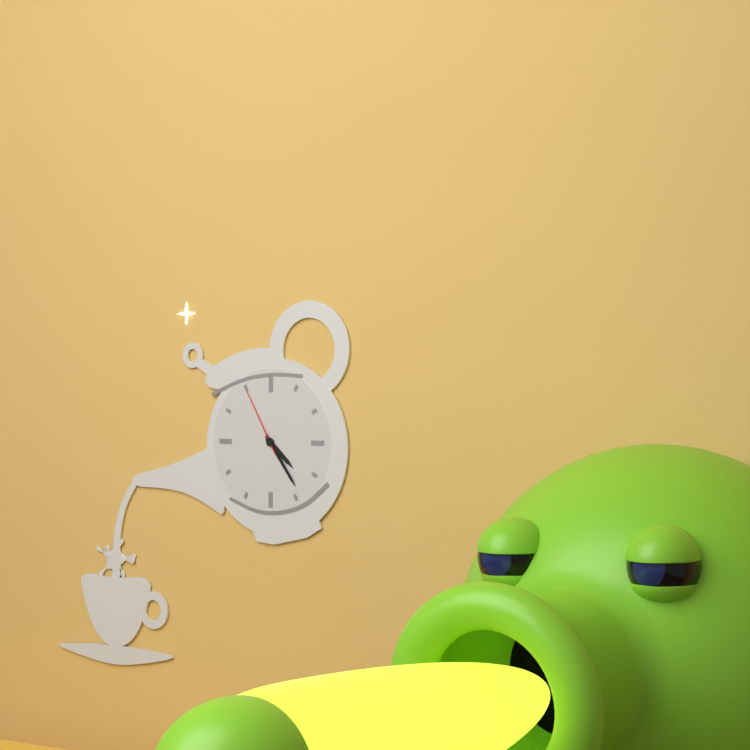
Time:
h=4 m=24 s=55
